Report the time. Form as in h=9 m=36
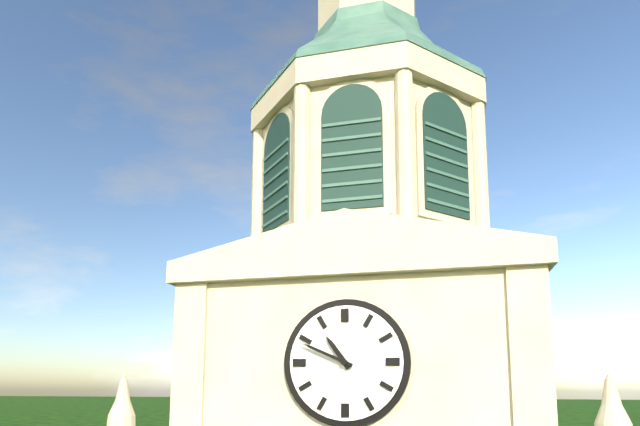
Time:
h=10 m=49
